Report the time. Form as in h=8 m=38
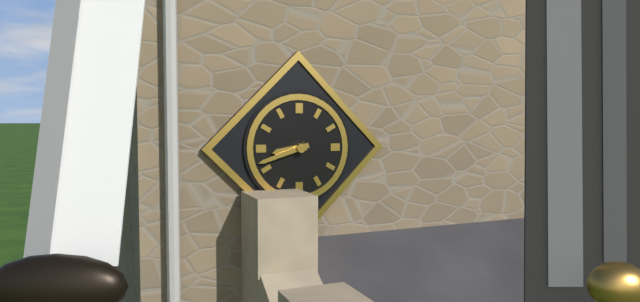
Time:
h=8 m=42
